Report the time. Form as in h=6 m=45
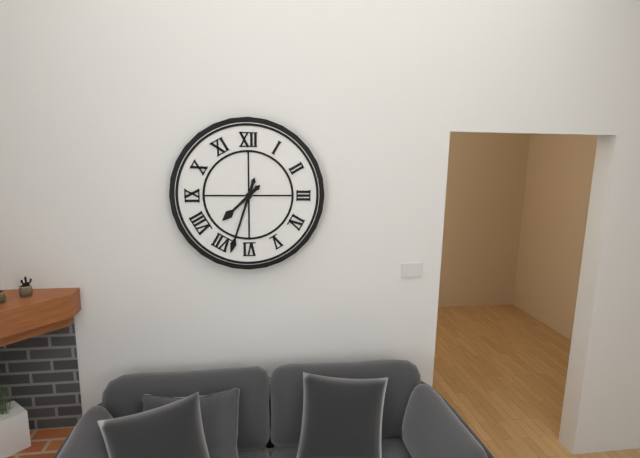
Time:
h=7 m=33
